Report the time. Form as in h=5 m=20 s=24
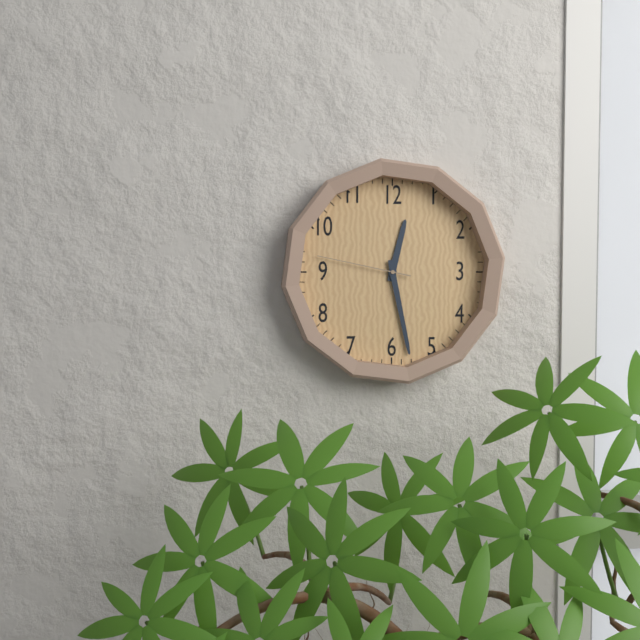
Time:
h=12 m=28 s=47
